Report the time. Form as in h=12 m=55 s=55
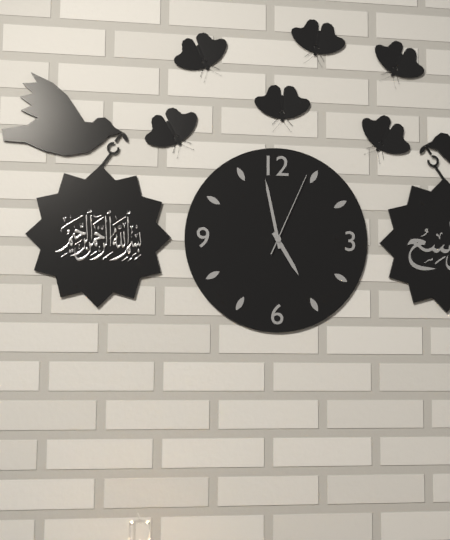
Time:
h=4 m=58 s=4
